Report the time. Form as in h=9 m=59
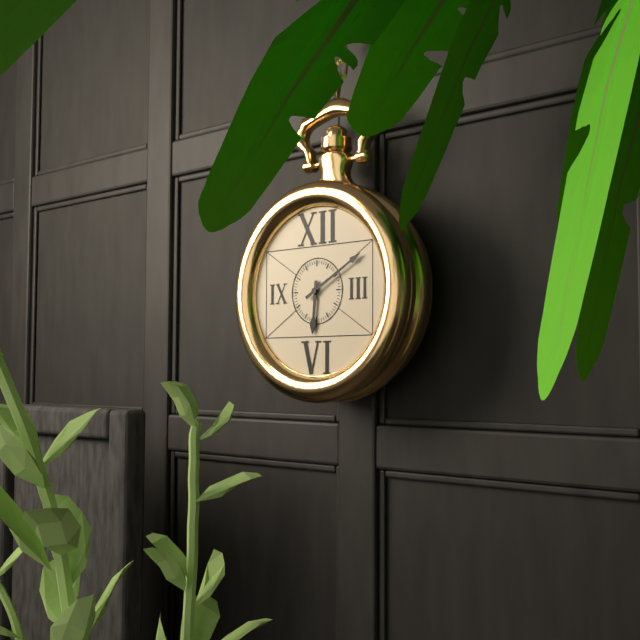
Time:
h=6 m=10
